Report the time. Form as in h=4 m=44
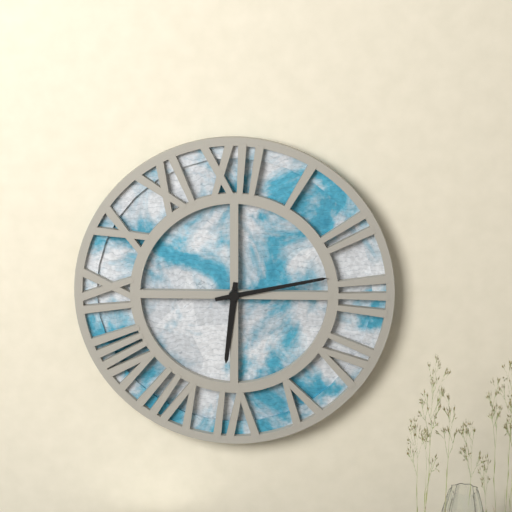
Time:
h=6 m=13
